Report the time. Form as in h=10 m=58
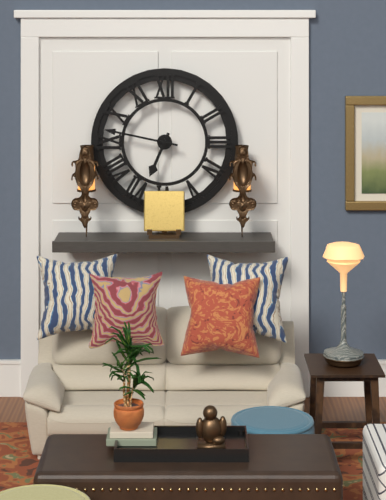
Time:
h=6 m=47
